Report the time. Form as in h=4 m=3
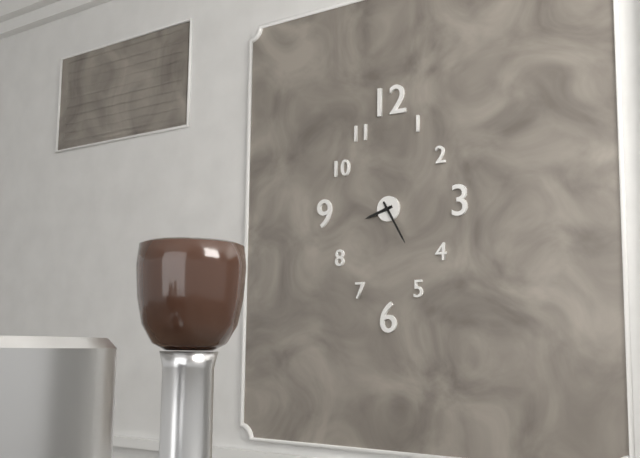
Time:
h=8 m=25
